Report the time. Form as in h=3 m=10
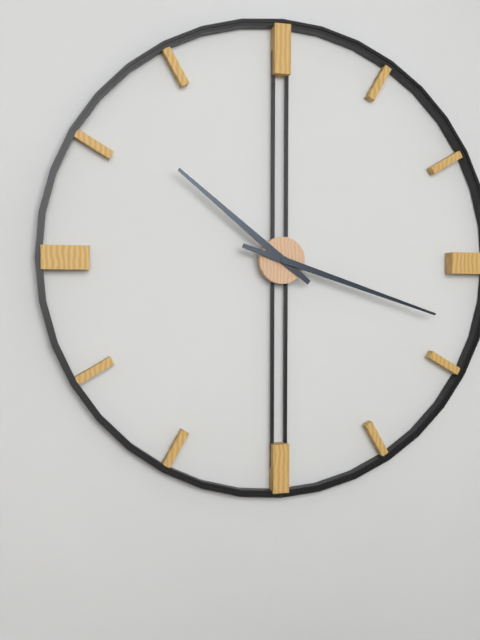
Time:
h=10 m=18
